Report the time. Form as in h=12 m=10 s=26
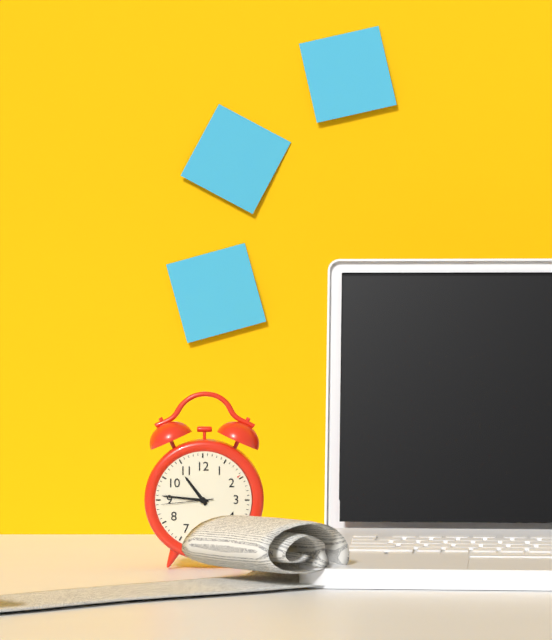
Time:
h=10 m=46 s=44
